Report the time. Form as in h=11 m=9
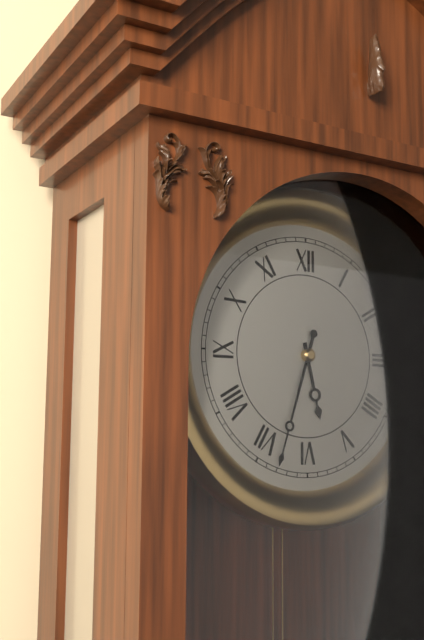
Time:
h=5 m=33
